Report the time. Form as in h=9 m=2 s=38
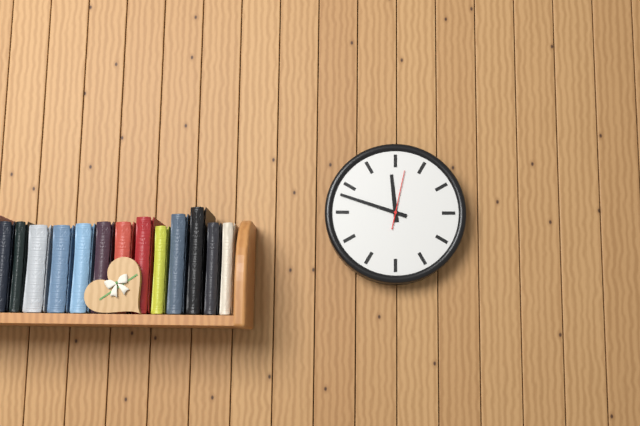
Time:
h=11 m=48 s=2
